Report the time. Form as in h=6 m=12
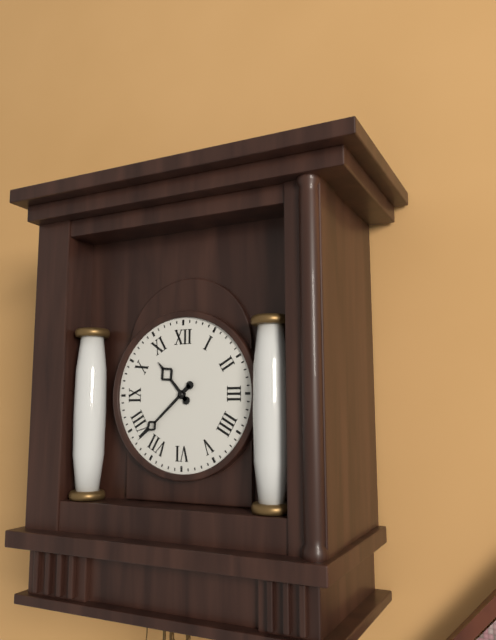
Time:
h=10 m=38
